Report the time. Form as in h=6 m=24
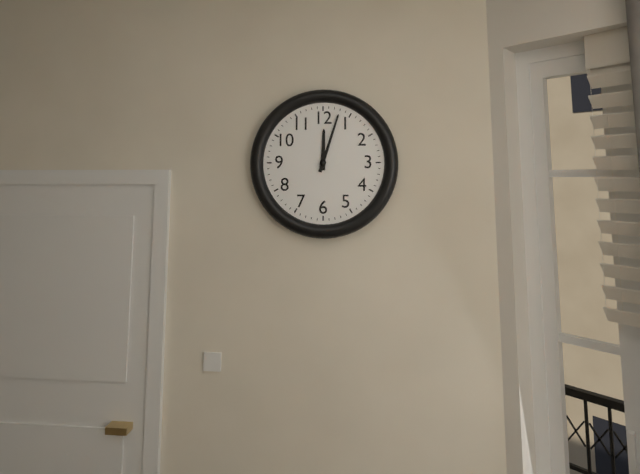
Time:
h=12 m=3
